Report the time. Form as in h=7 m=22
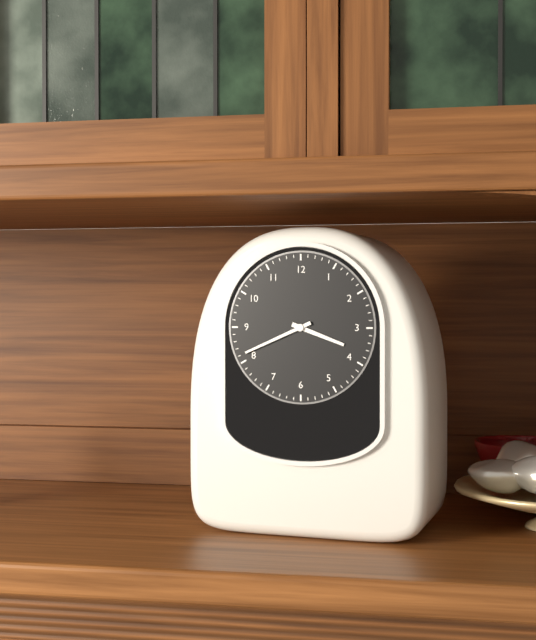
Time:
h=3 m=41
